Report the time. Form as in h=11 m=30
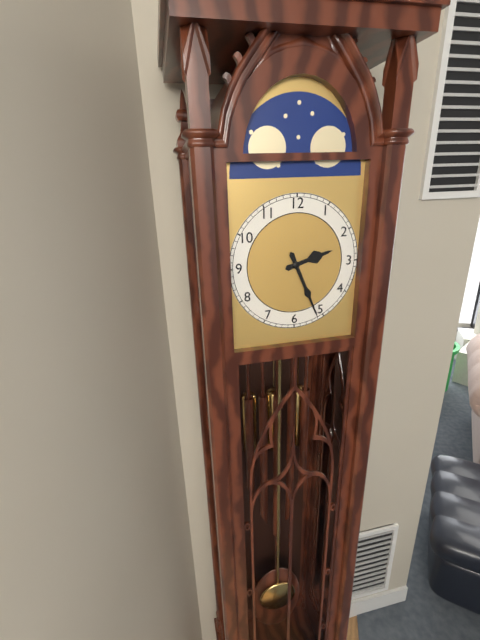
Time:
h=2 m=26
